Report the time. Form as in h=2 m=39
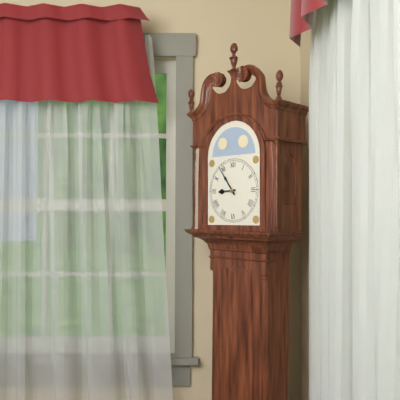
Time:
h=8 m=54
